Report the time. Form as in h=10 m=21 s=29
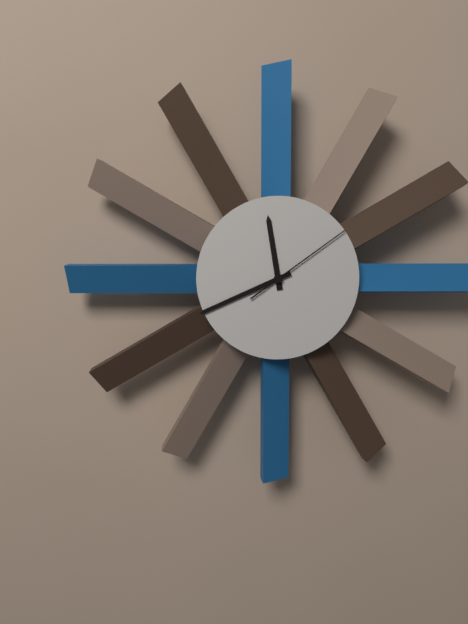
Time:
h=11 m=41 s=9
